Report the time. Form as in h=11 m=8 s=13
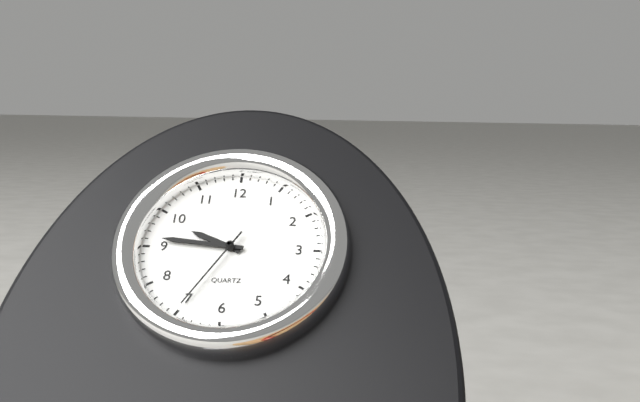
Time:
h=9 m=46 s=35
